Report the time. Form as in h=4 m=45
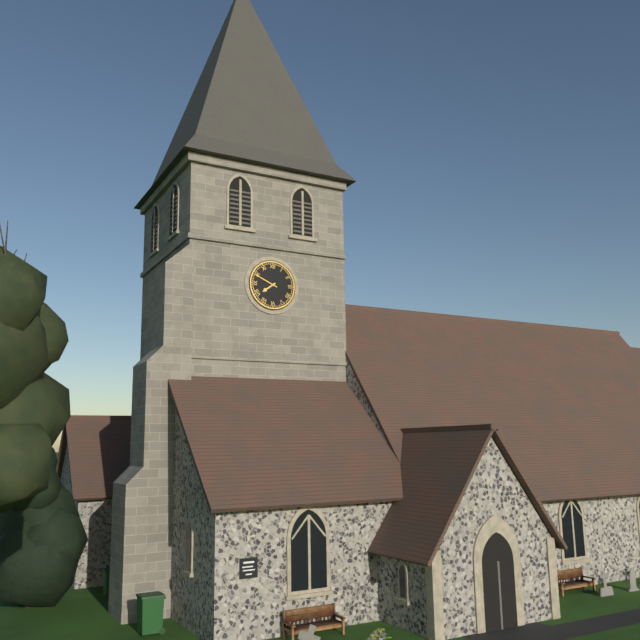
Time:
h=7 m=49
